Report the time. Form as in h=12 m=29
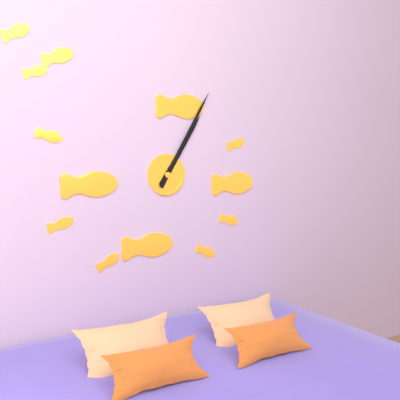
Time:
h=1 m=5
